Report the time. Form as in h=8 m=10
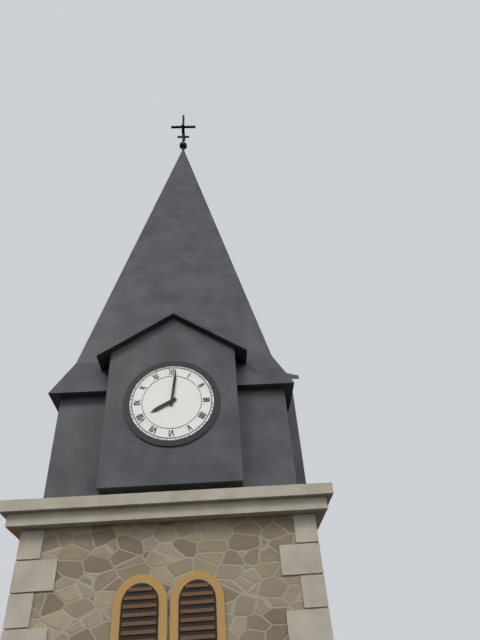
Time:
h=8 m=1
